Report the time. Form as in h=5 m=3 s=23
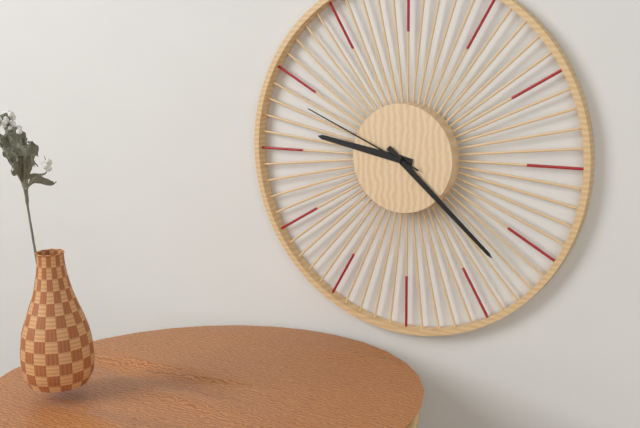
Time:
h=9 m=22 s=49
